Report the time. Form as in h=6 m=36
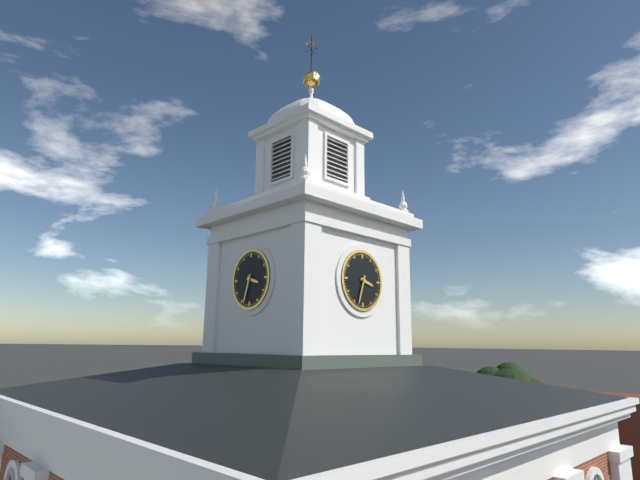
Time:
h=3 m=33
